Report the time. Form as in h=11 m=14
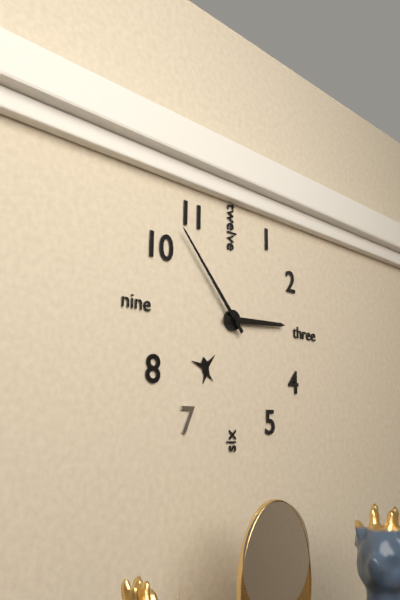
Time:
h=2 m=53
